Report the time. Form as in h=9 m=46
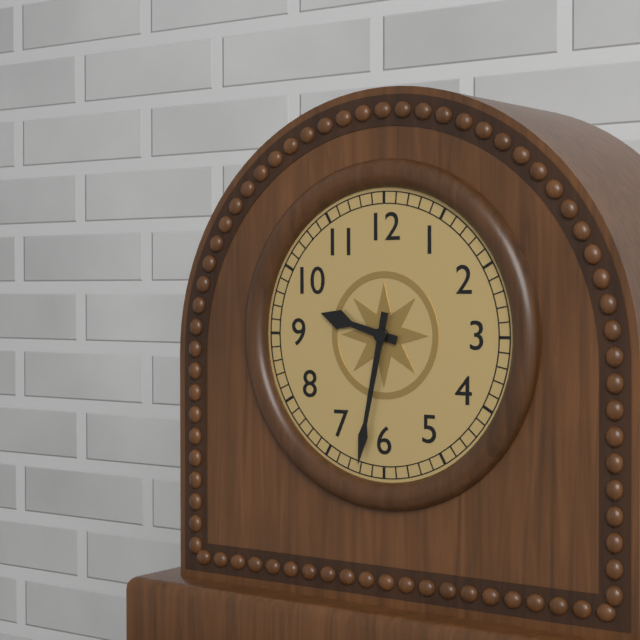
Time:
h=9 m=32
